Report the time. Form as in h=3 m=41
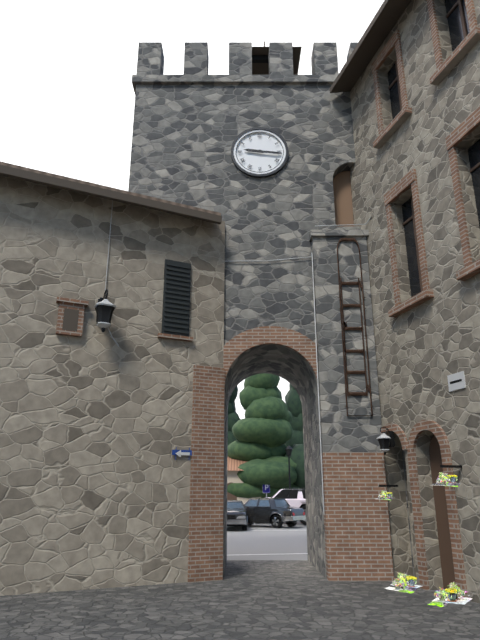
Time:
h=9 m=16
